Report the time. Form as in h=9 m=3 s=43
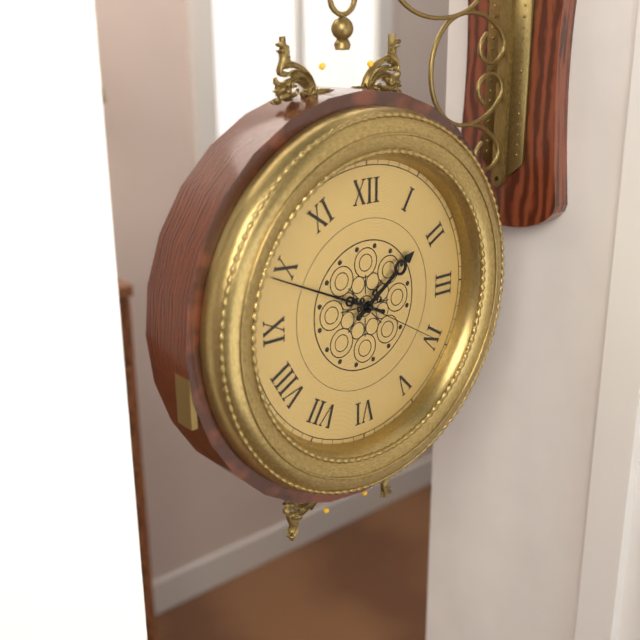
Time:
h=1 m=49 s=20
